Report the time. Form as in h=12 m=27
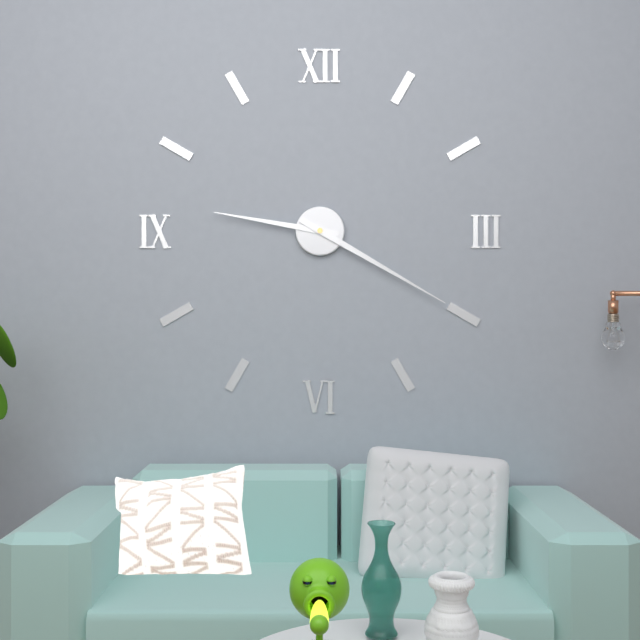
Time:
h=9 m=20
